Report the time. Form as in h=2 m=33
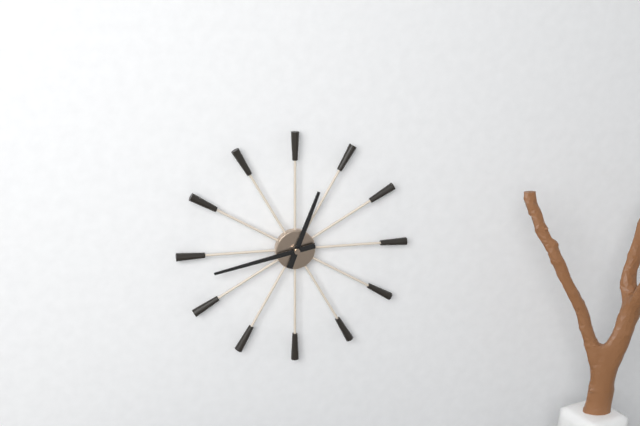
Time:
h=12 m=43
